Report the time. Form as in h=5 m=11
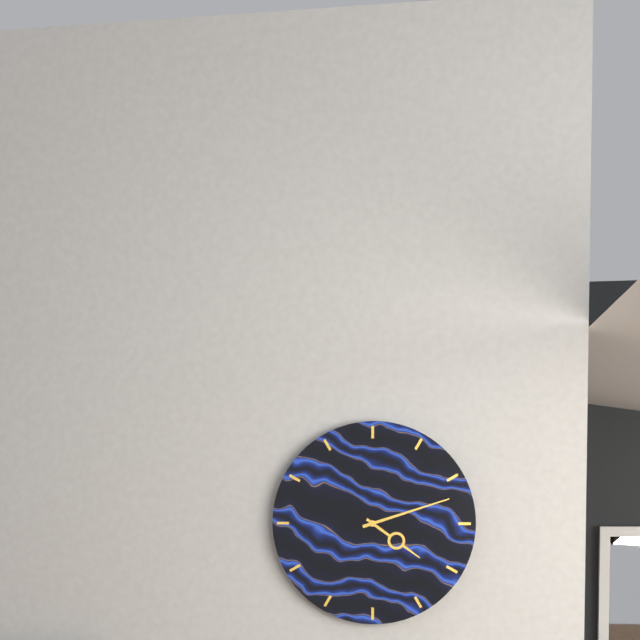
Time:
h=4 m=12
